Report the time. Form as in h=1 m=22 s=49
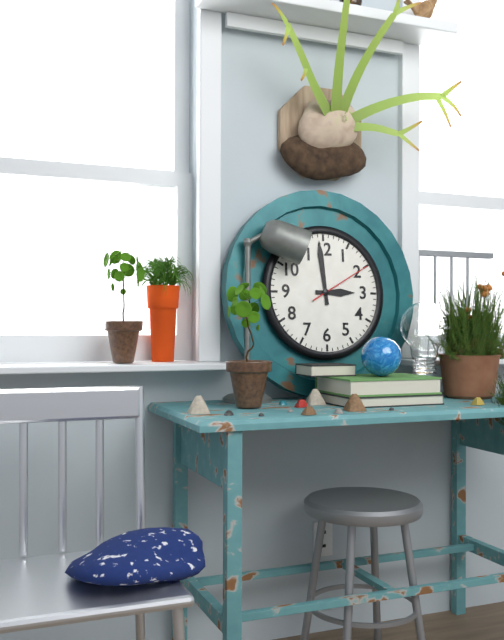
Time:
h=2 m=59 s=10
